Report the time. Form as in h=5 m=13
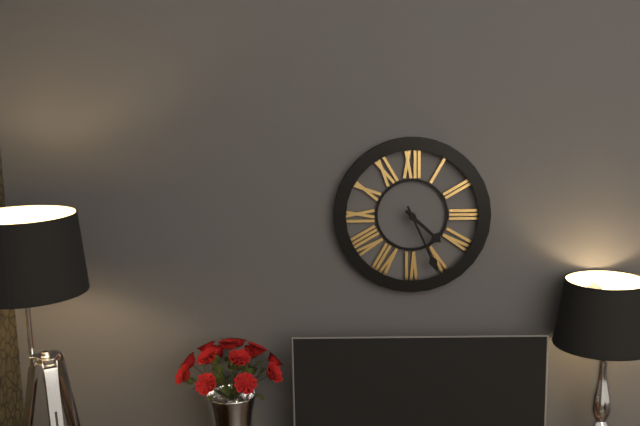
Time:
h=4 m=26
